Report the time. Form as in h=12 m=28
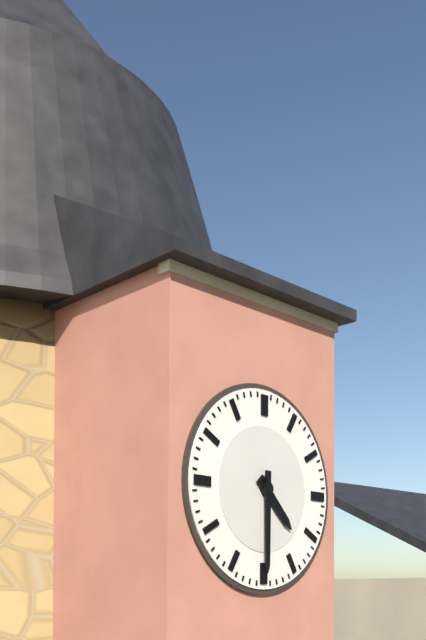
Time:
h=4 m=30
